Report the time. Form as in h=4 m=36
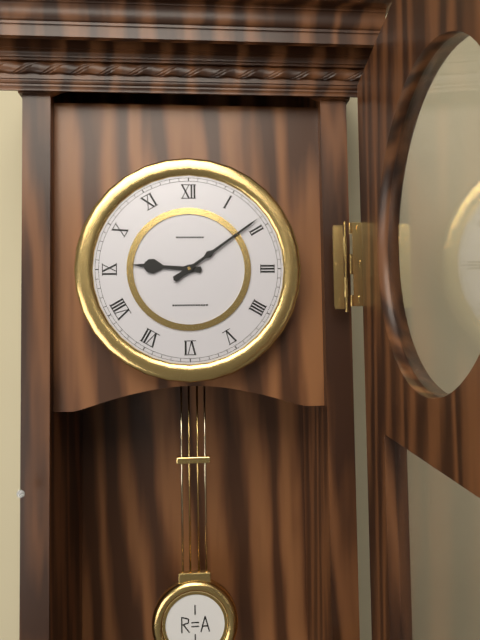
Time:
h=9 m=9
